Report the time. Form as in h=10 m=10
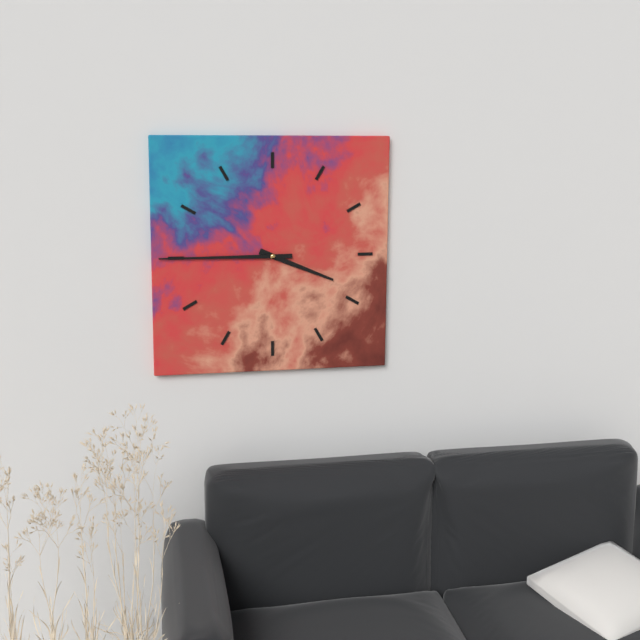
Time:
h=3 m=45
